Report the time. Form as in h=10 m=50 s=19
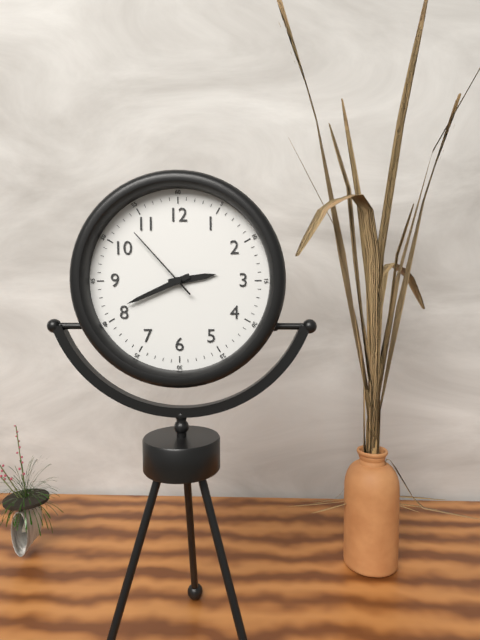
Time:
h=2 m=41 s=53
